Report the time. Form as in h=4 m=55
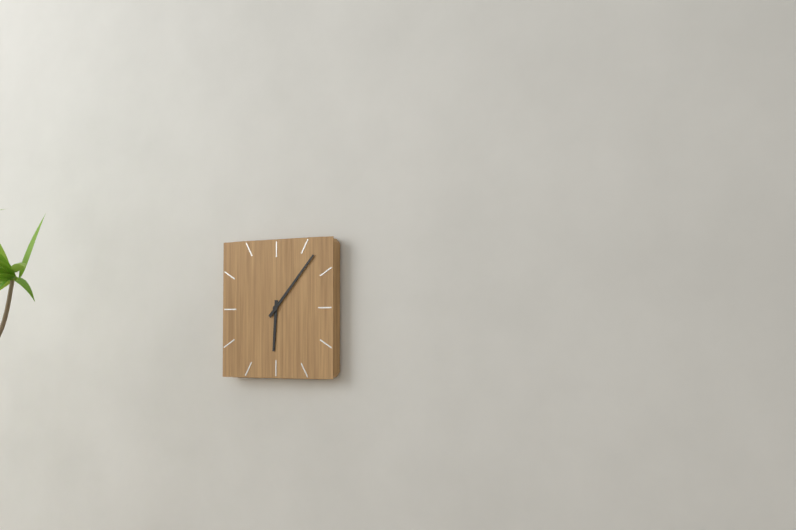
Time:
h=6 m=7
